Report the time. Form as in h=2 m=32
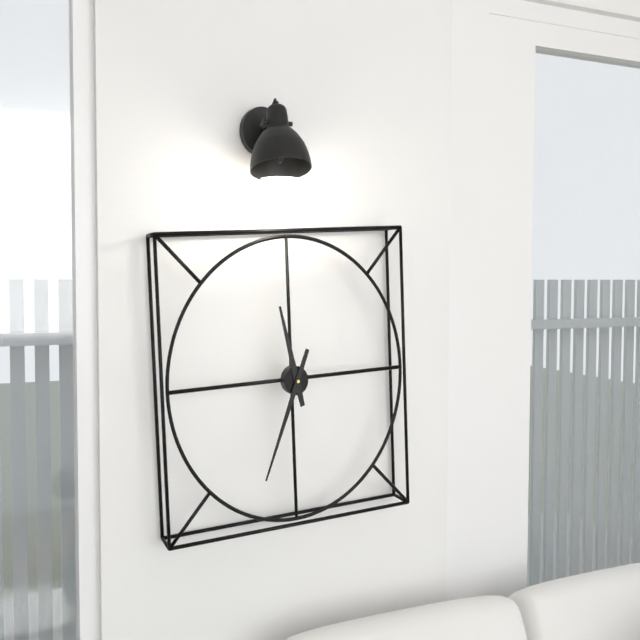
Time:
h=11 m=34
